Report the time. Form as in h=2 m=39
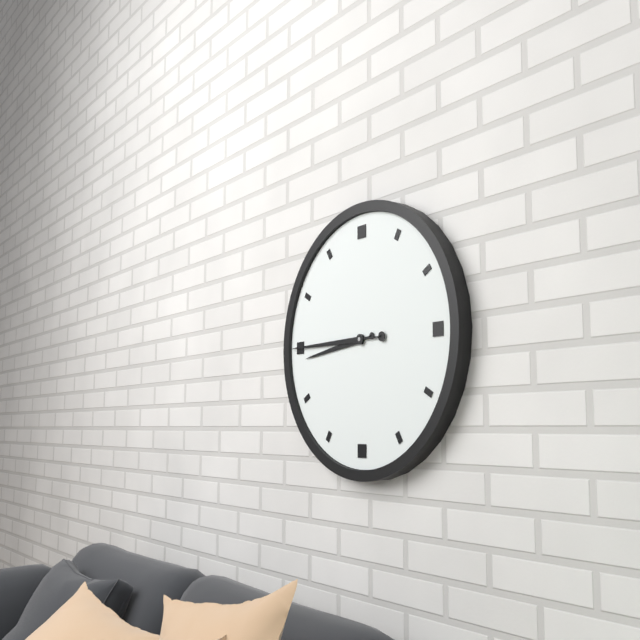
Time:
h=8 m=45
